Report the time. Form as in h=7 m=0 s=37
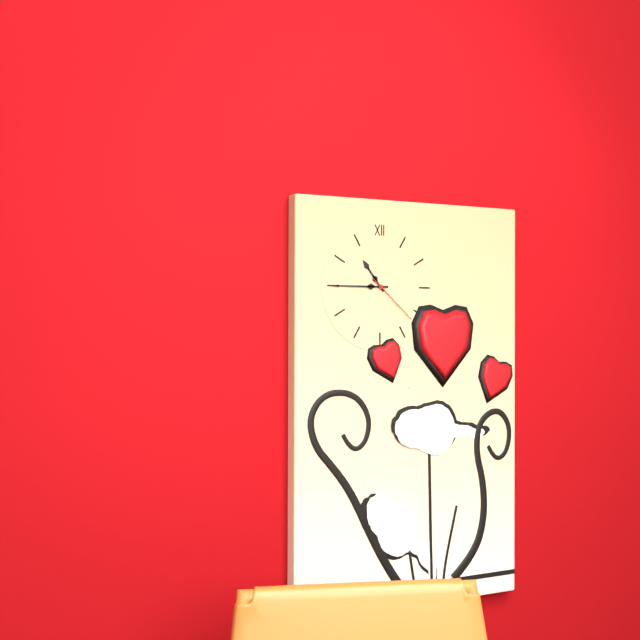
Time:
h=10 m=45 s=22
